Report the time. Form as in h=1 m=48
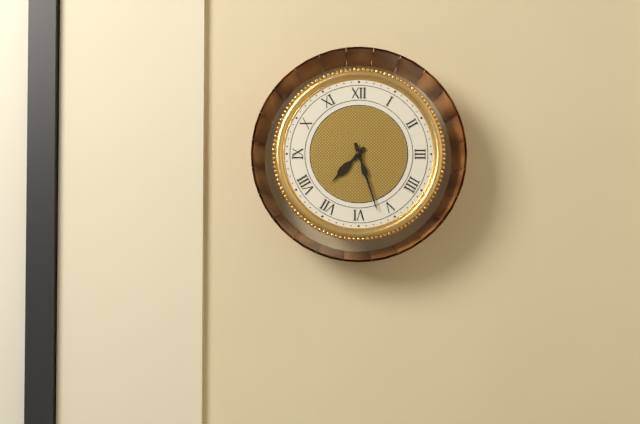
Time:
h=7 m=27
